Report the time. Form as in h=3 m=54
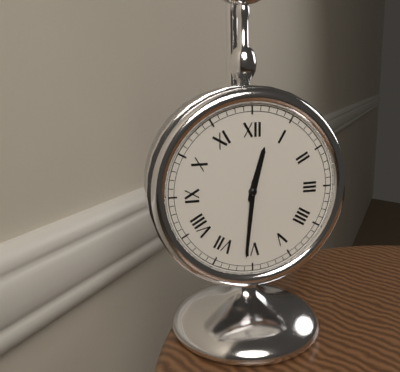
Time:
h=12 m=31
